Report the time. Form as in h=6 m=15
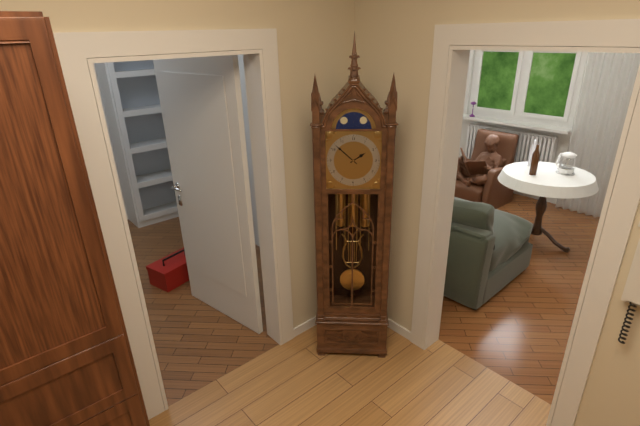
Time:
h=1 m=52
